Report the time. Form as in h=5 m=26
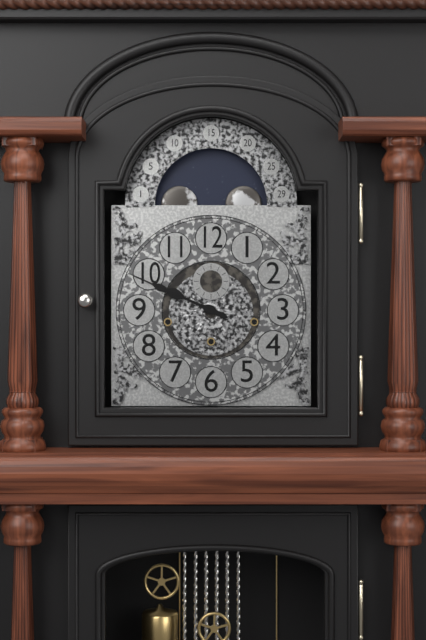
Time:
h=9 m=49
